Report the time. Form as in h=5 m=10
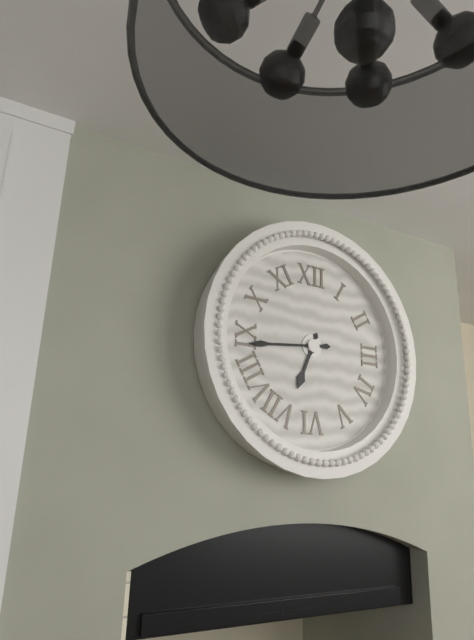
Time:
h=6 m=44
